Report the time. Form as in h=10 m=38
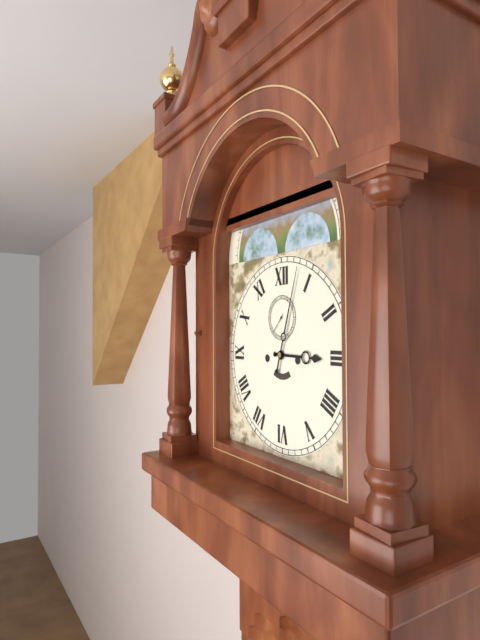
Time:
h=3 m=3
